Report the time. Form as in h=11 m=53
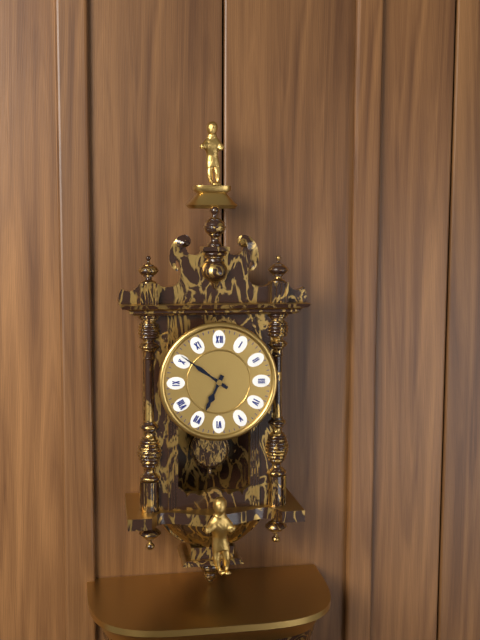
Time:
h=6 m=51
